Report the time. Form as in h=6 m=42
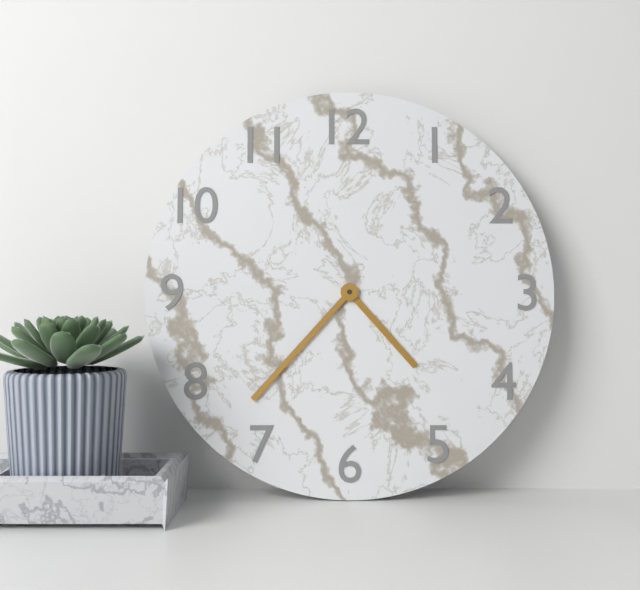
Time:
h=4 m=37
